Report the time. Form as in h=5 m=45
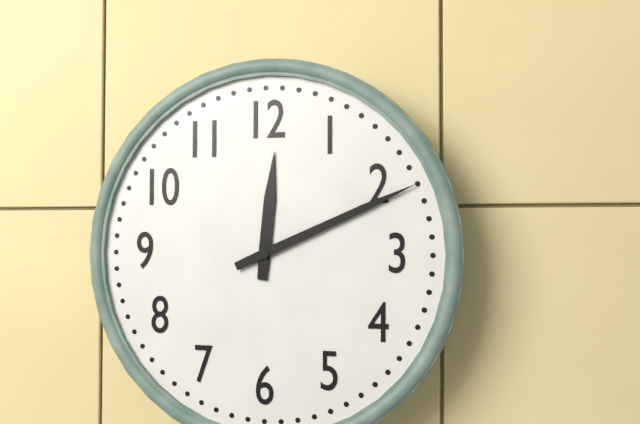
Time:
h=12 m=11
